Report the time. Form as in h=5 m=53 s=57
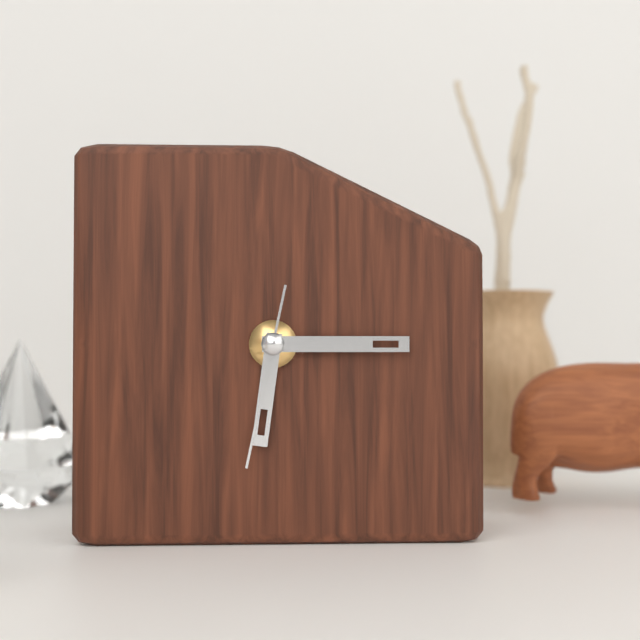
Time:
h=6 m=15 s=32
